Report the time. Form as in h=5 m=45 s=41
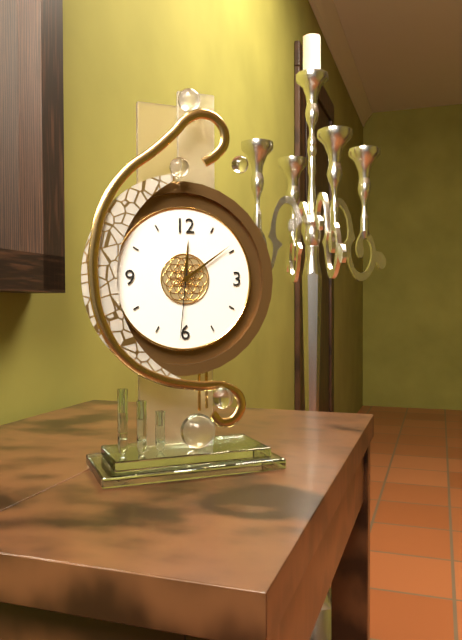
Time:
h=12 m=9 s=31
